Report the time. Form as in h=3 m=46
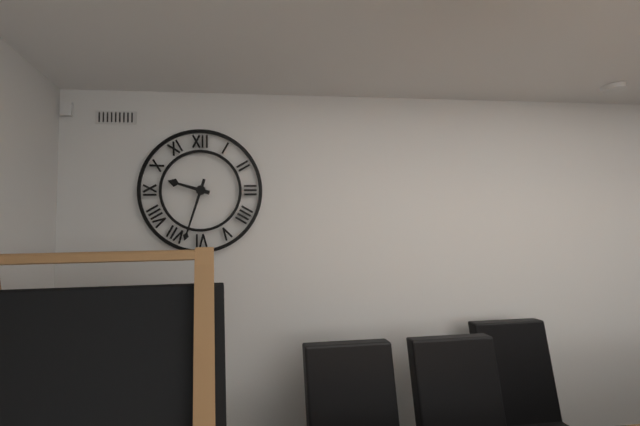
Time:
h=9 m=33
